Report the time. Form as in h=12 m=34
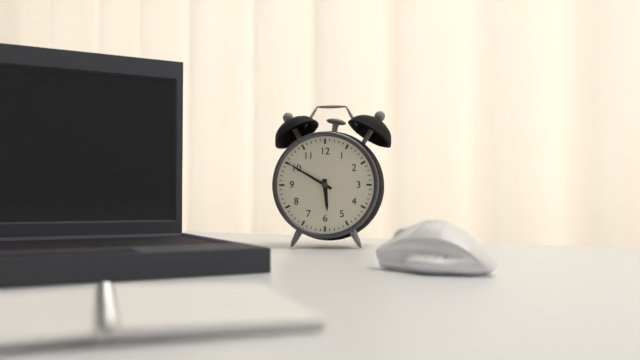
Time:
h=5 m=50
